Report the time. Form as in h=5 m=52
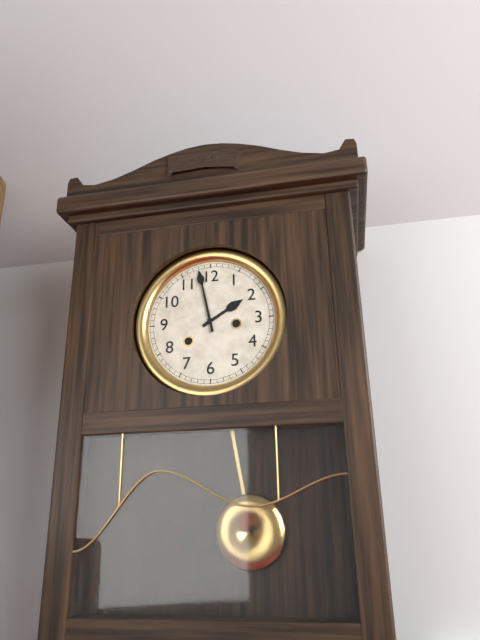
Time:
h=1 m=58
